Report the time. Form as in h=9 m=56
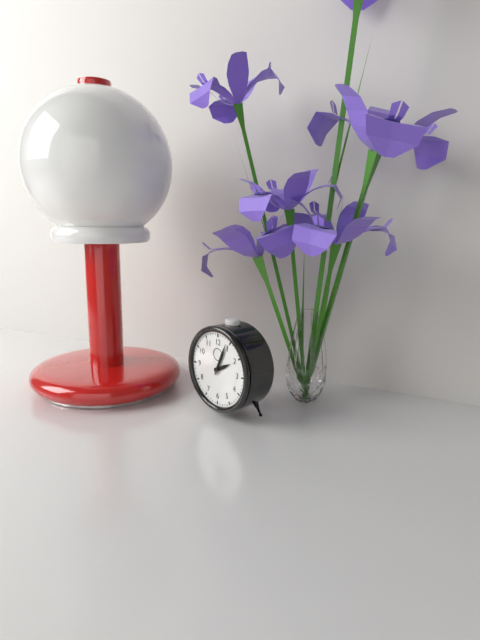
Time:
h=2 m=4
